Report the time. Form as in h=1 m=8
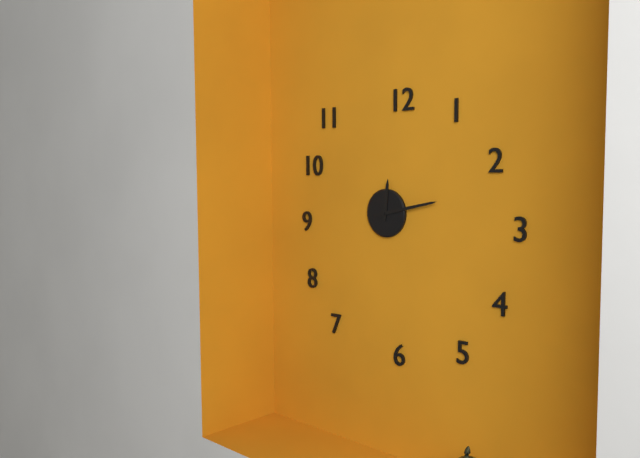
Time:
h=12 m=13
